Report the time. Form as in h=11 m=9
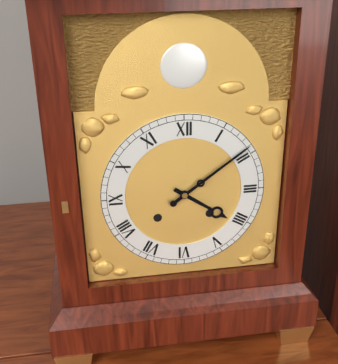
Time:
h=4 m=9
